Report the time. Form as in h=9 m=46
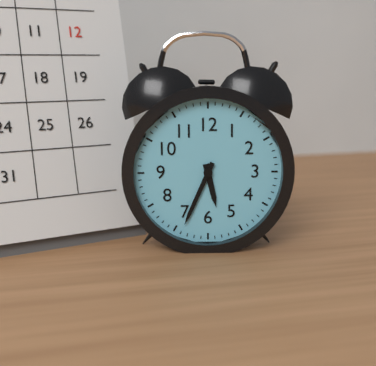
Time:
h=5 m=34
